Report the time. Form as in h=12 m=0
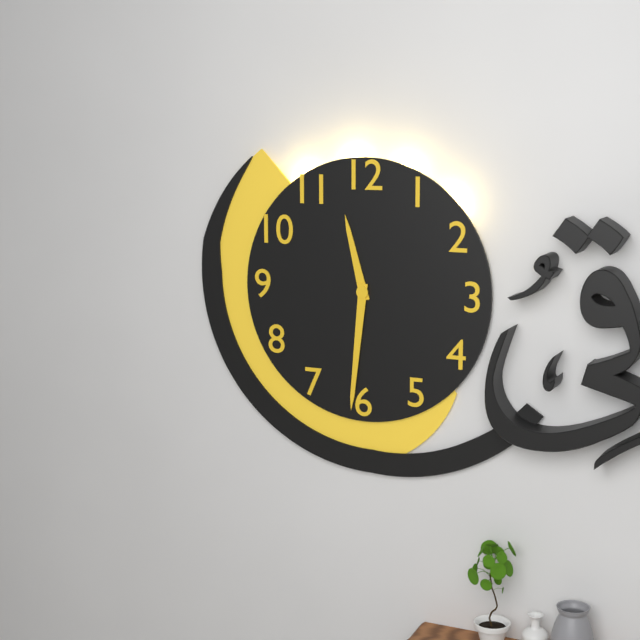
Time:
h=11 m=31
